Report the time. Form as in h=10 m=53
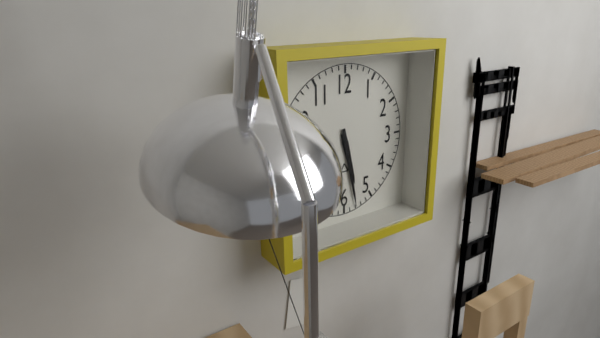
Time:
h=5 m=28
